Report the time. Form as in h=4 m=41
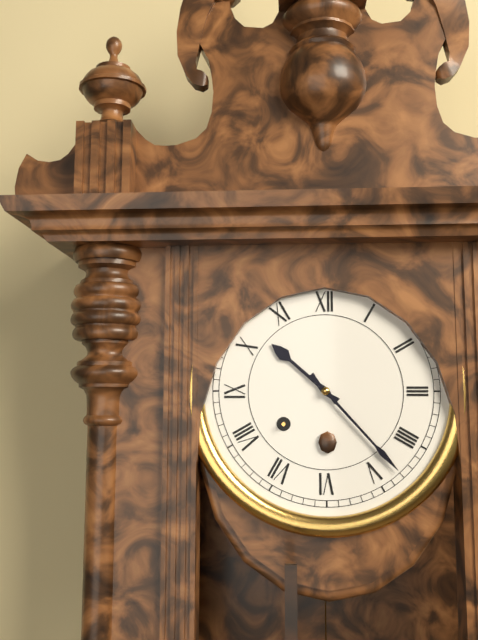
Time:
h=10 m=23
